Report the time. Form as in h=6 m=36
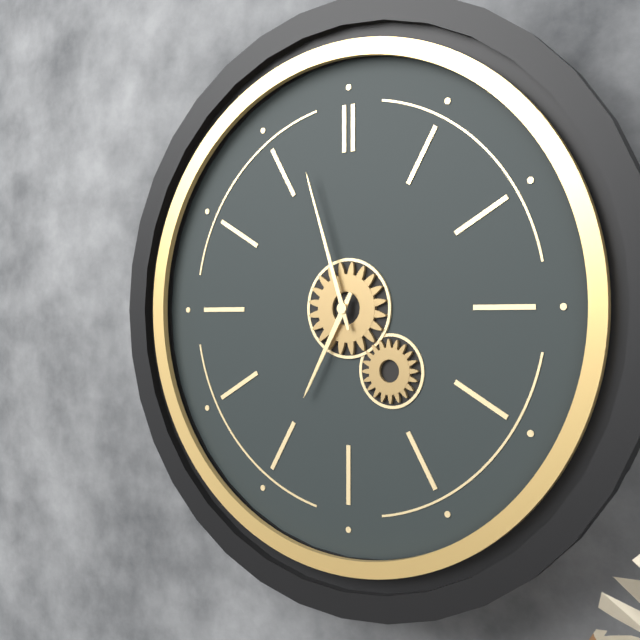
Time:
h=6 m=57
